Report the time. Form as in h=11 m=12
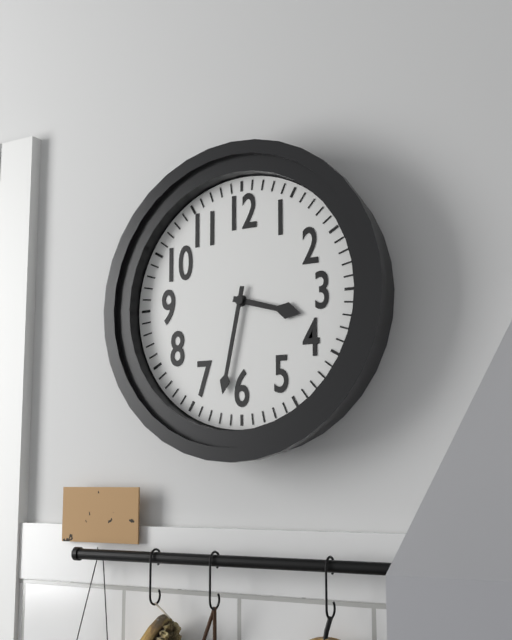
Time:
h=3 m=32
